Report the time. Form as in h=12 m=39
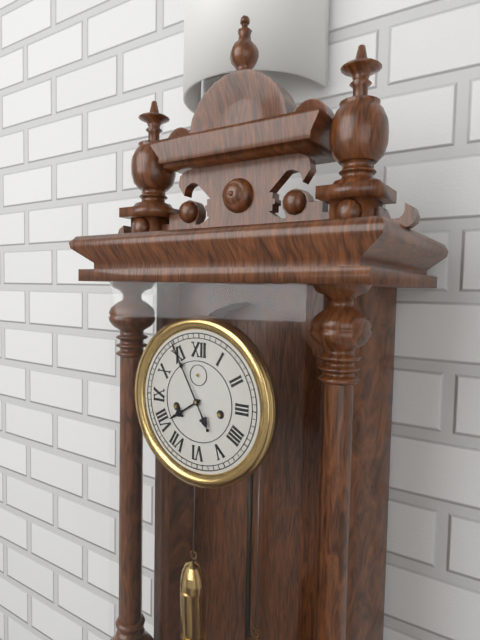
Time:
h=7 m=55
